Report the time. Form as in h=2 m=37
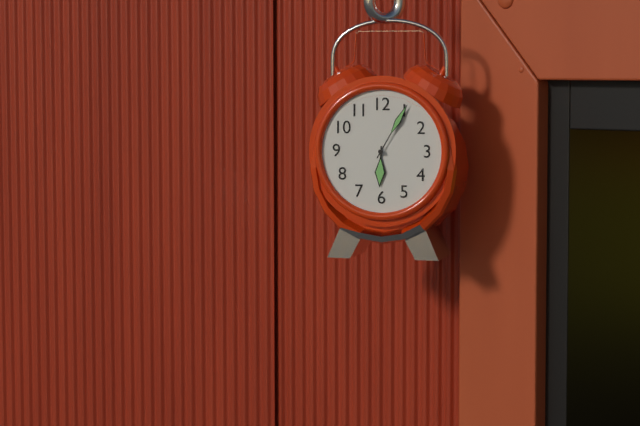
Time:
h=6 m=5
